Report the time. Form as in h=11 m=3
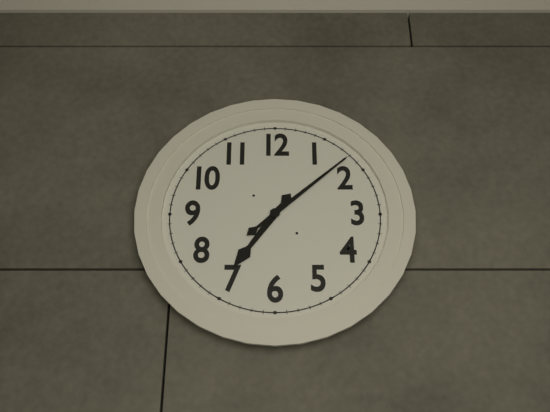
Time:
h=7 m=8
